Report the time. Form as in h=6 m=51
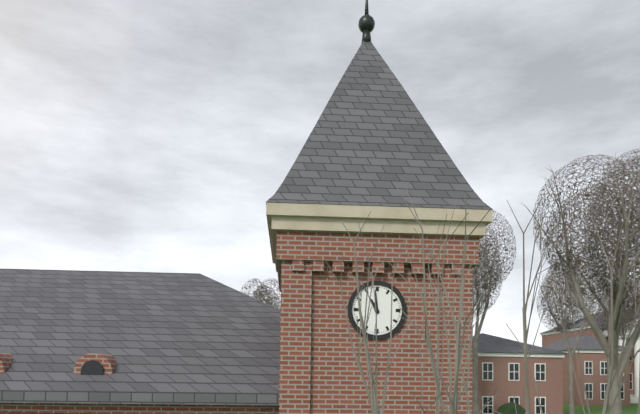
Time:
h=10 m=59
